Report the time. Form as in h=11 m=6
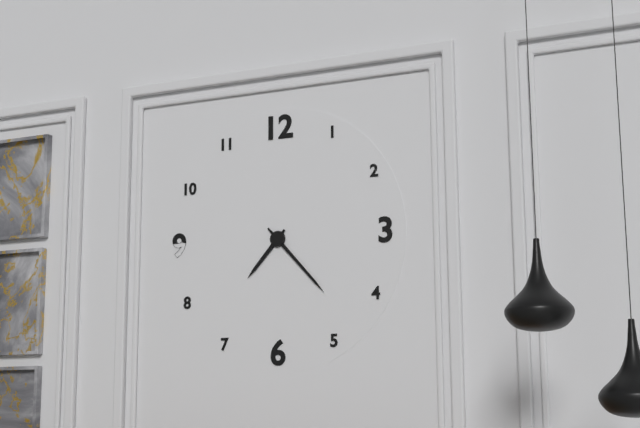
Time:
h=7 m=23
